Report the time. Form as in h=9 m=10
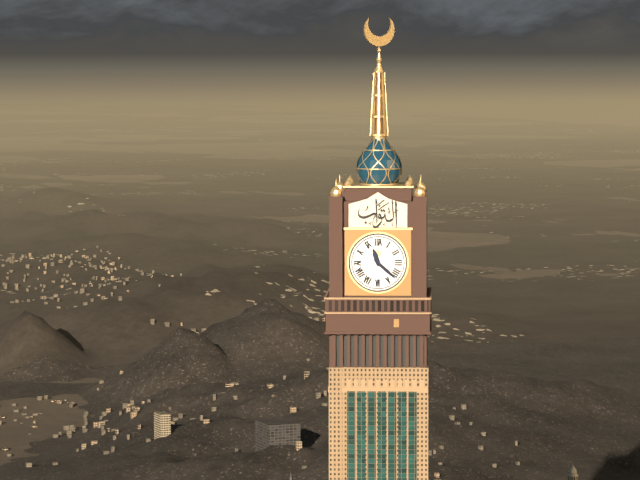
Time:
h=11 m=22
